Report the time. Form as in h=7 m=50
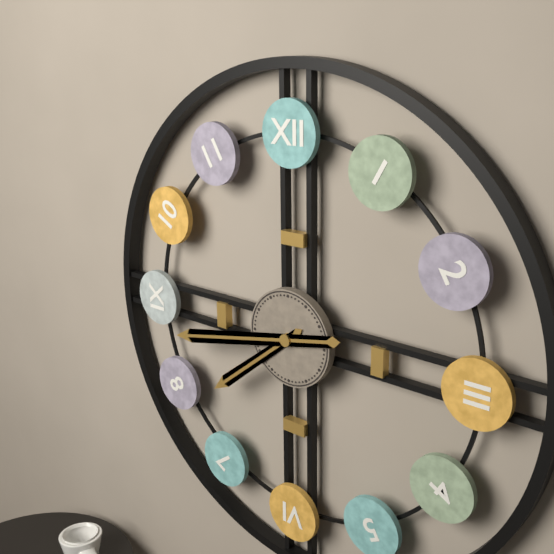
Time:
h=7 m=43
